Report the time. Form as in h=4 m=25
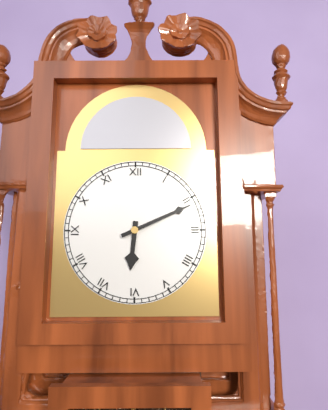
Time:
h=6 m=11
